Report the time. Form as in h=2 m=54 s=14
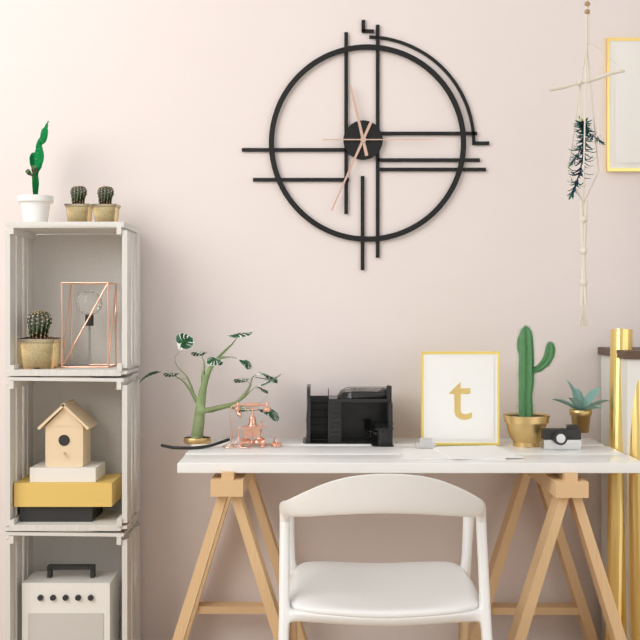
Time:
h=11 m=34 s=15
